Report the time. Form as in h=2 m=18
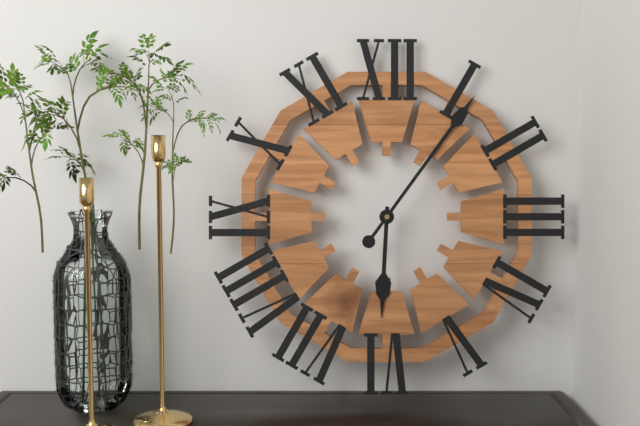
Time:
h=6 m=6
